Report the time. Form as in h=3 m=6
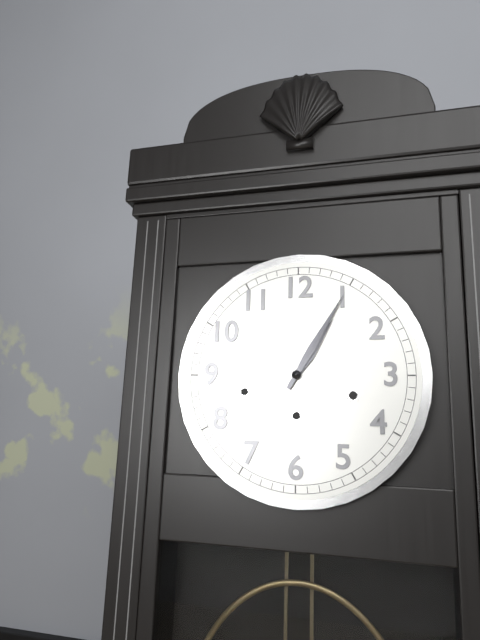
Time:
h=1 m=5
